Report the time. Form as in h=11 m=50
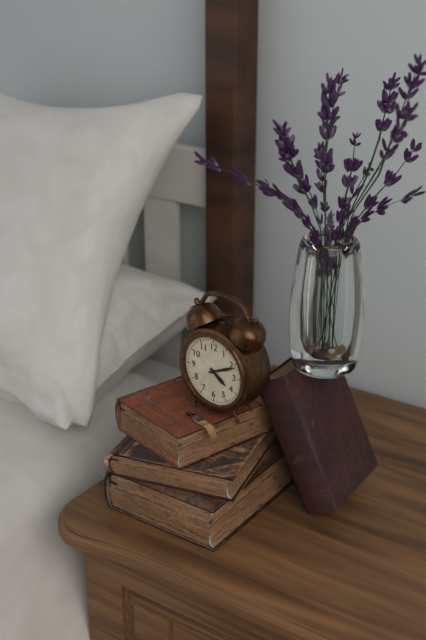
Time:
h=4 m=11
